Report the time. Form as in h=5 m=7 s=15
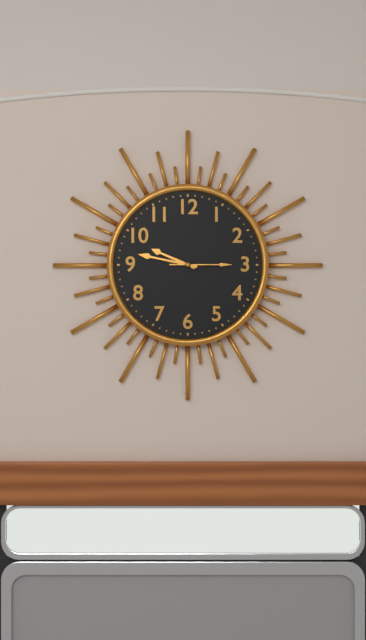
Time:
h=9 m=47 s=15
